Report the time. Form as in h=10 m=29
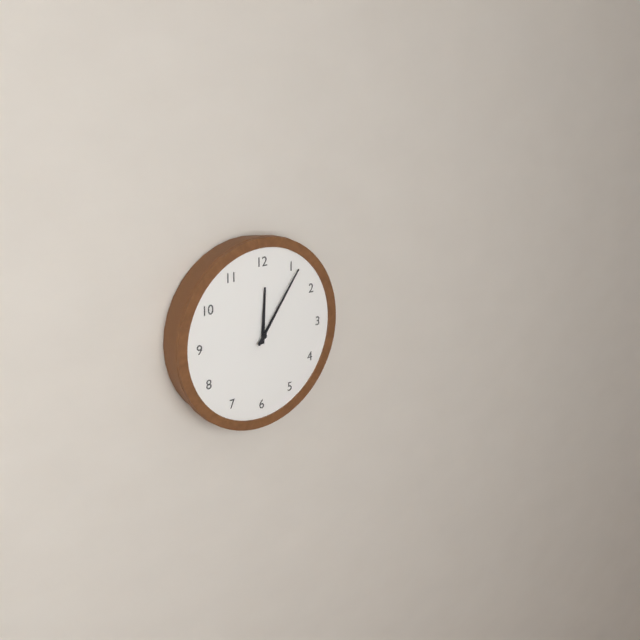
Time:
h=12 m=6
